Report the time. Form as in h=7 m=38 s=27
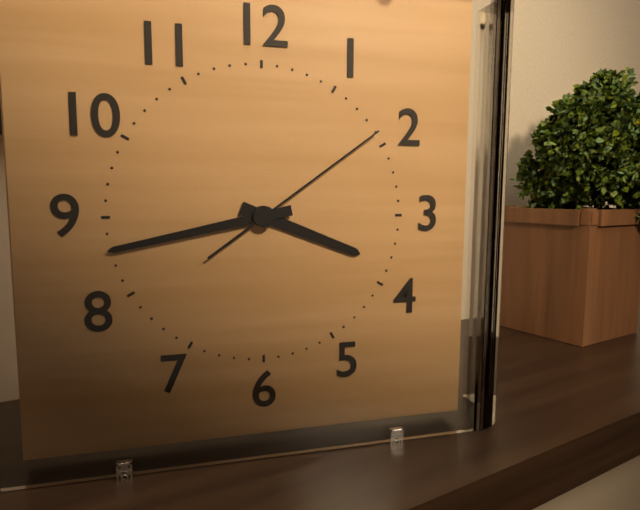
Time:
h=3 m=43 s=9
